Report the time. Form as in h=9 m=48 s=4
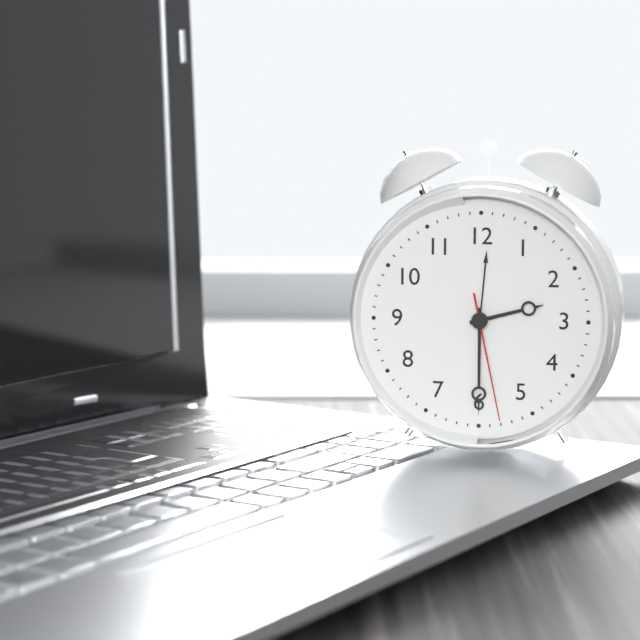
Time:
h=2 m=30 s=28
